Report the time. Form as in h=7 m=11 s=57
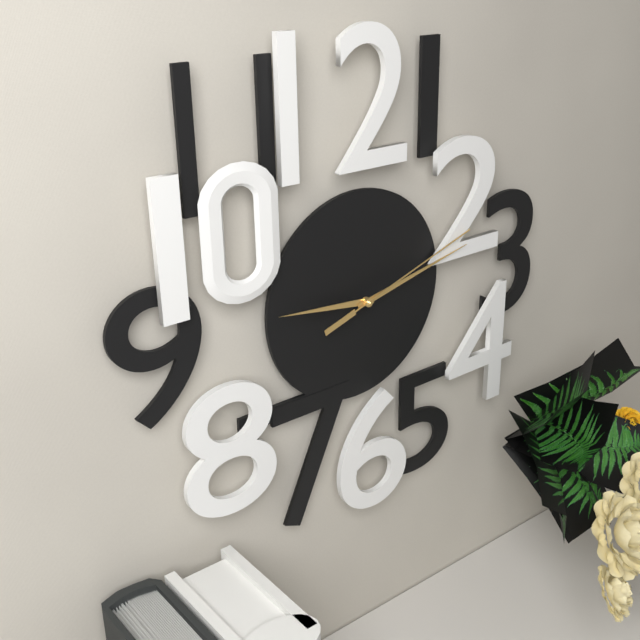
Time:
h=9 m=13 s=12
